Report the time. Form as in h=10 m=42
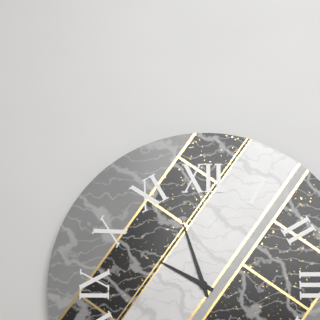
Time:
h=9 m=57
